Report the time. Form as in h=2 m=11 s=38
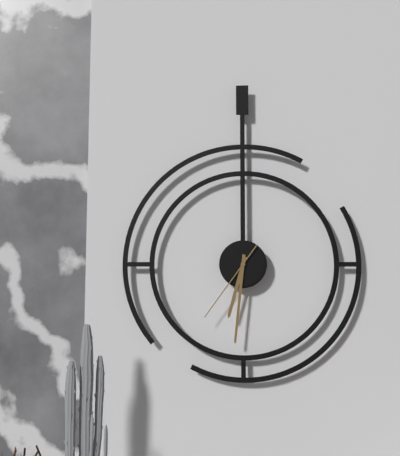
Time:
h=6 m=31 s=36
